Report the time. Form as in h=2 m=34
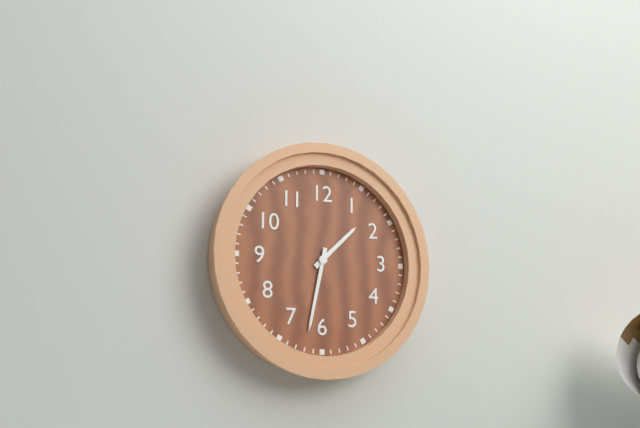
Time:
h=1 m=32
